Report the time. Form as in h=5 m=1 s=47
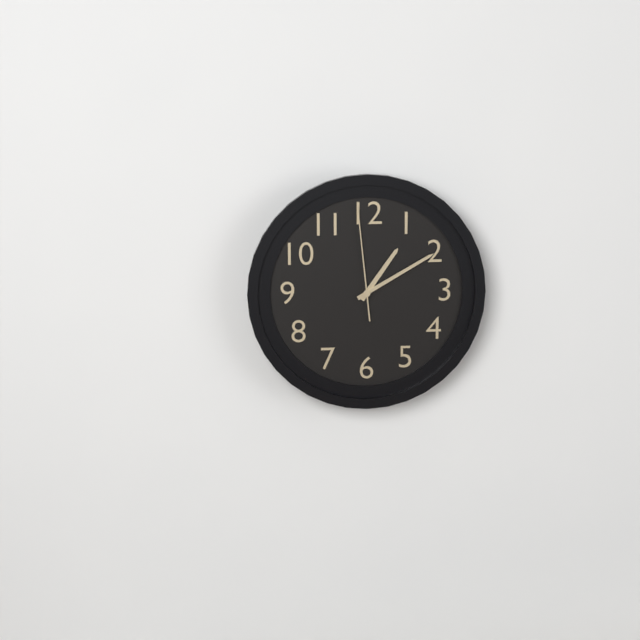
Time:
h=1 m=10 s=59
